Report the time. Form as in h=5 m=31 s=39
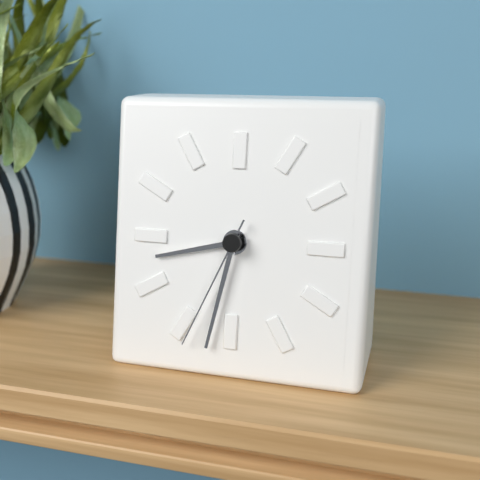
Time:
h=8 m=32 s=34
